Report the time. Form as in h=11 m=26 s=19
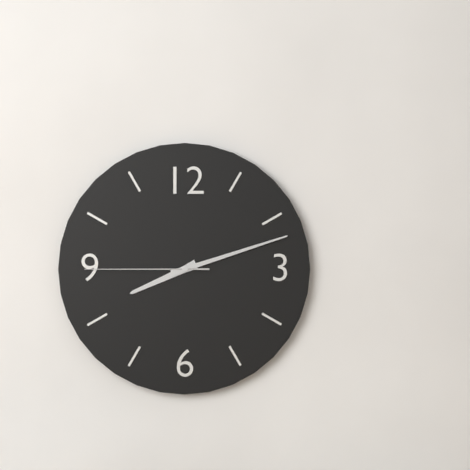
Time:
h=8 m=12 s=45
